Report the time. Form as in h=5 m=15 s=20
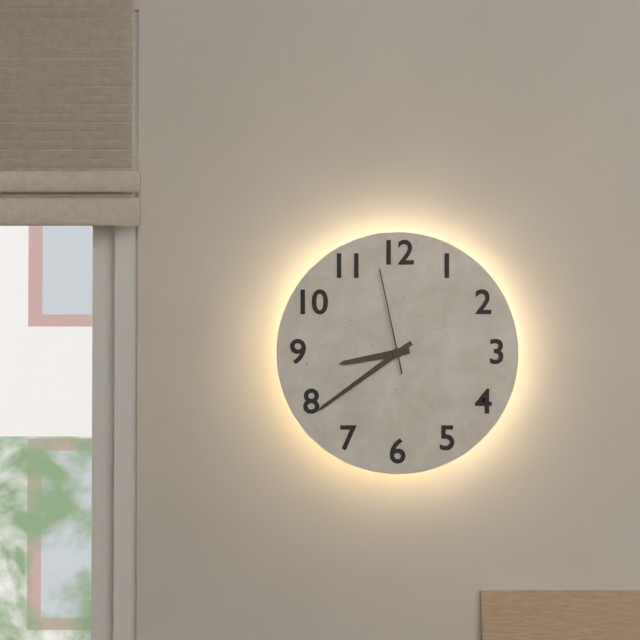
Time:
h=8 m=39 s=58
